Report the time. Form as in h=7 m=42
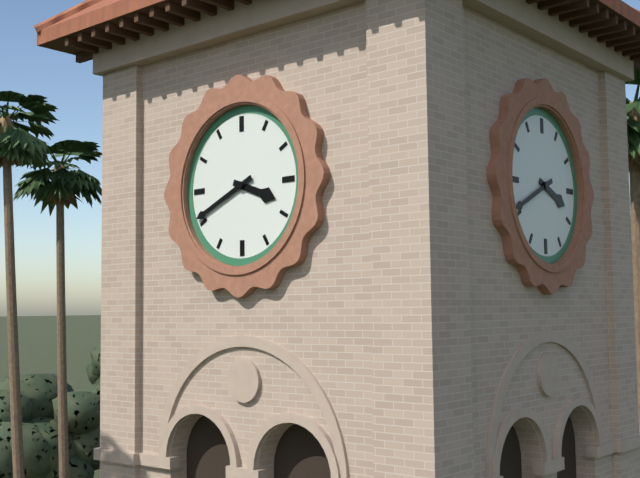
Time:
h=3 m=41
